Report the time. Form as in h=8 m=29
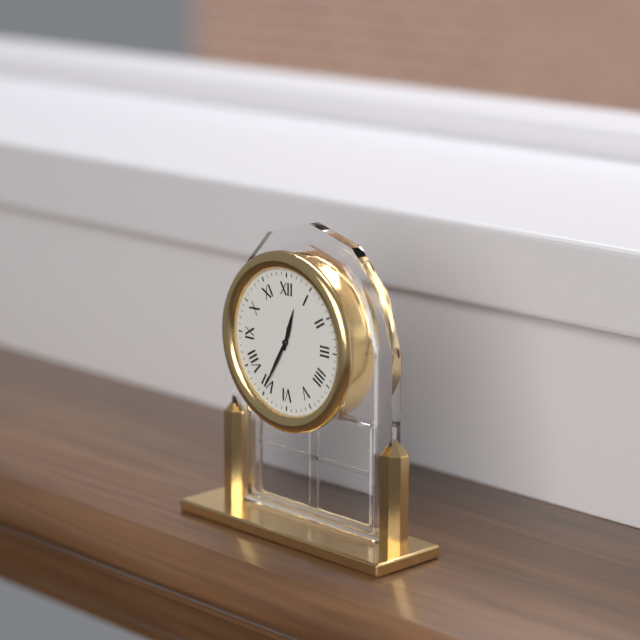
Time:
h=12 m=35
